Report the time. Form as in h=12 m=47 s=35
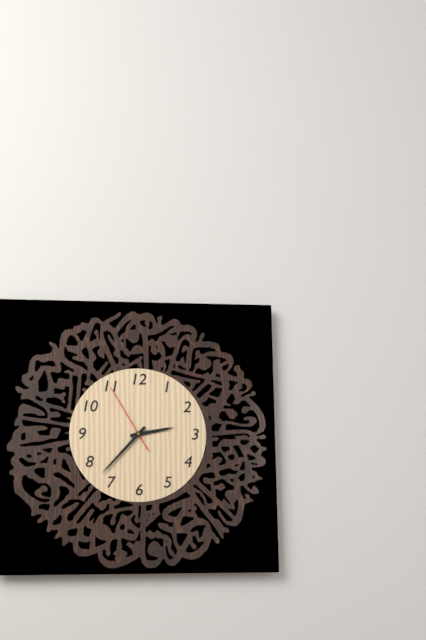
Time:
h=2 m=37 s=55
